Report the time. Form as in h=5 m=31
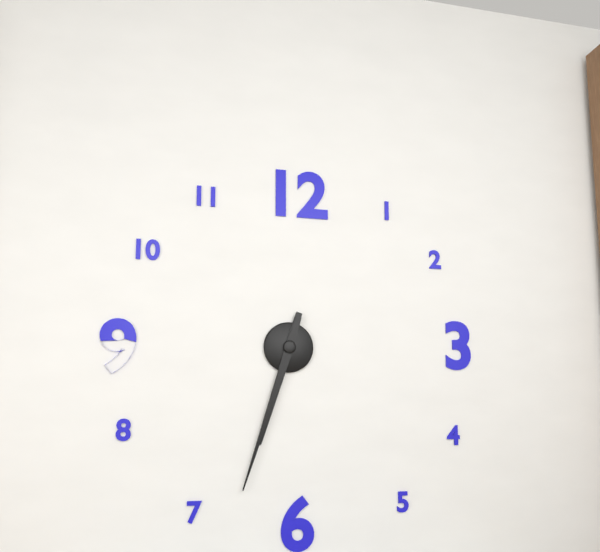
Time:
h=6 m=33
